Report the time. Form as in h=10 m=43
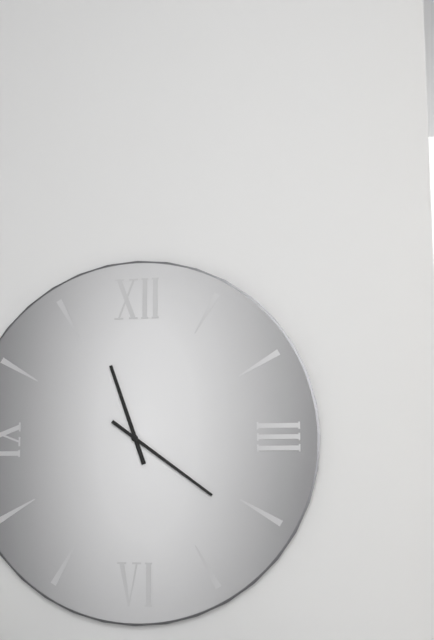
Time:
h=11 m=21
